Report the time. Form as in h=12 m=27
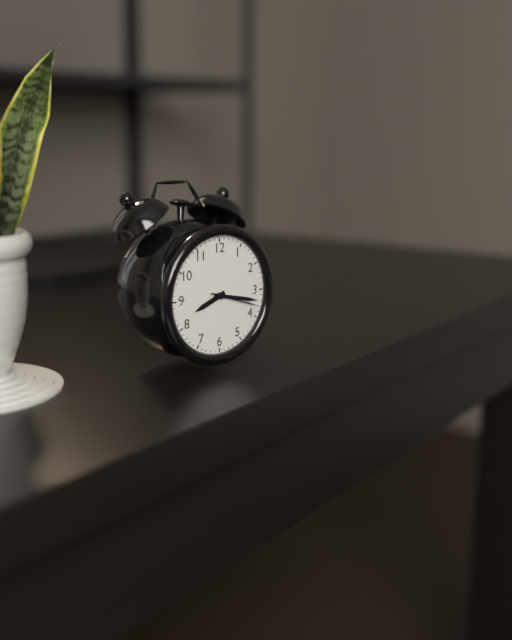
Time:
h=8 m=17
